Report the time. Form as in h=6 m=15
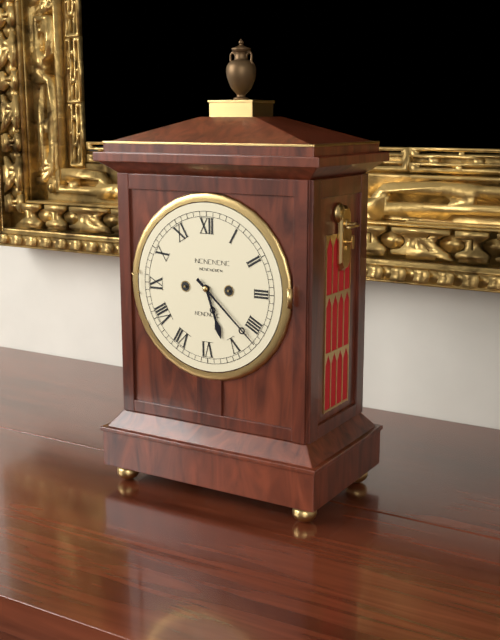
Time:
h=5 m=22
